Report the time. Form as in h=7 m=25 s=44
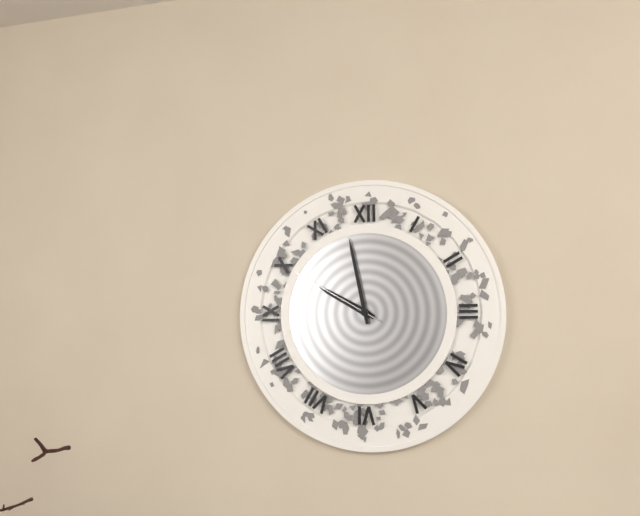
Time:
h=9 m=58 s=50
